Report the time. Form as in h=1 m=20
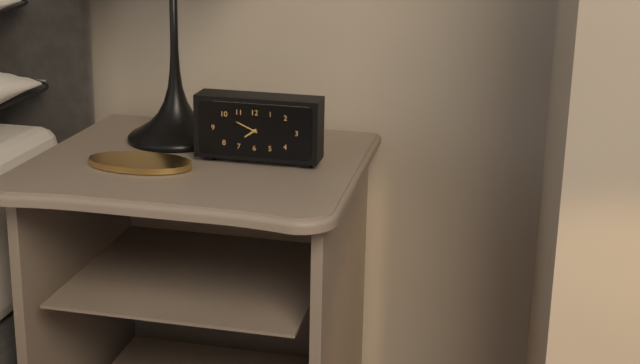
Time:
h=7 m=49
